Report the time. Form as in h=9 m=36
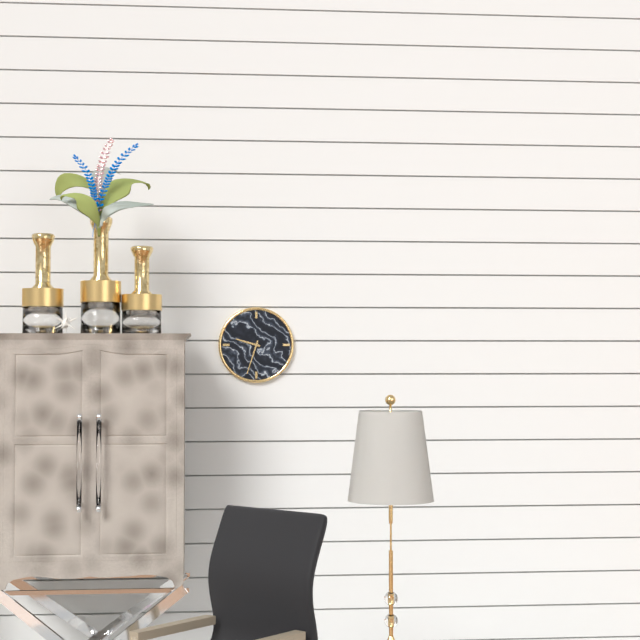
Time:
h=9 m=33
